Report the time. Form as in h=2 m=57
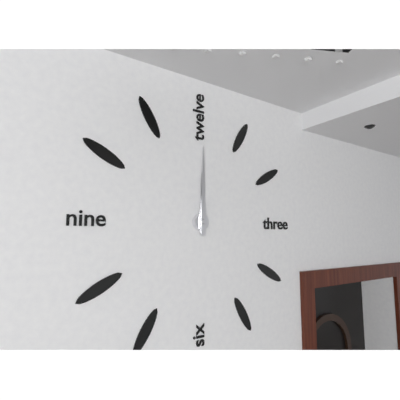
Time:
h=12 m=0
